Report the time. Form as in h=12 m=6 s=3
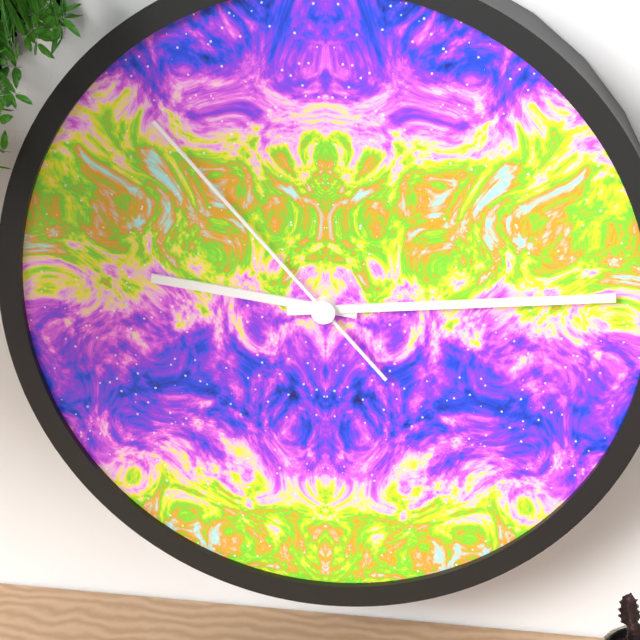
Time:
h=9 m=14 s=53
